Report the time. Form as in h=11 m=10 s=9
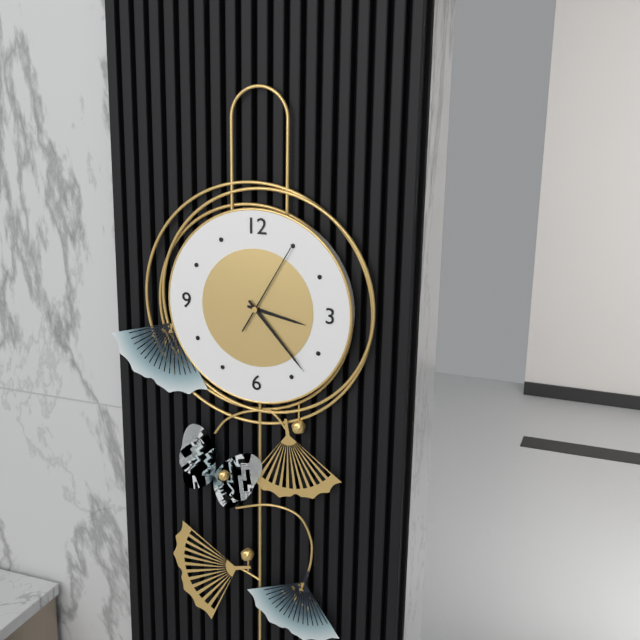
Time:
h=3 m=23 s=5
